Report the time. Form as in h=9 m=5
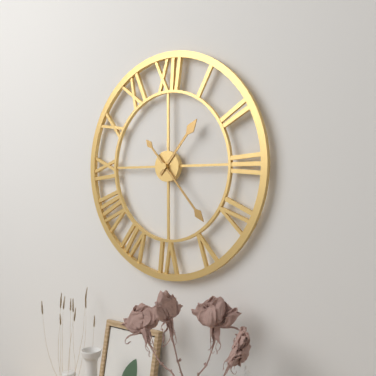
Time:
h=1 m=23
